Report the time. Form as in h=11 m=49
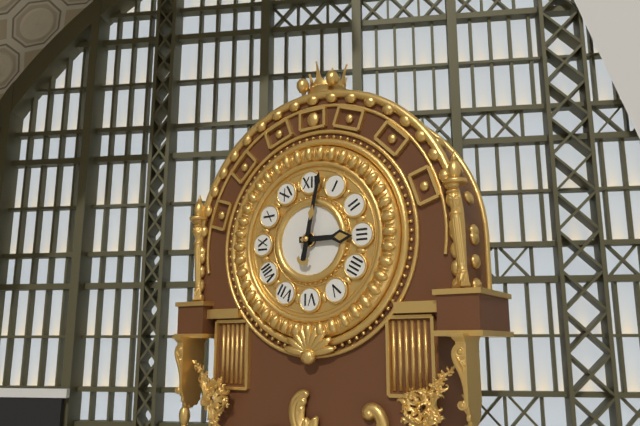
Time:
h=3 m=2
